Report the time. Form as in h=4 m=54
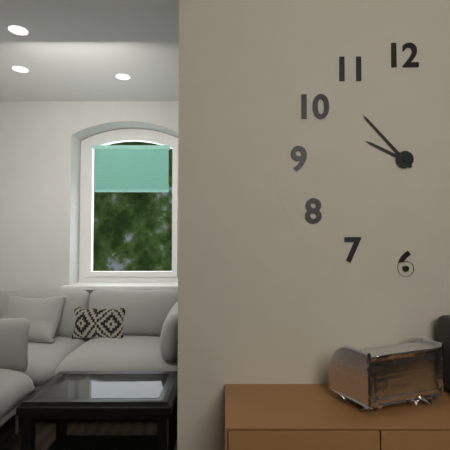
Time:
h=9 m=53
